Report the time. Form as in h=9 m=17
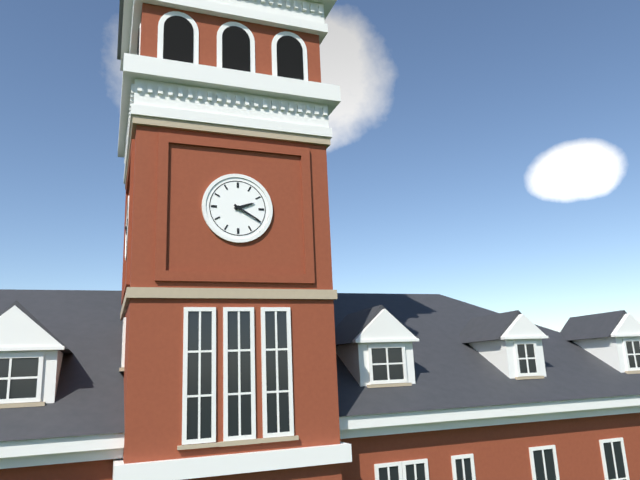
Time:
h=2 m=20
